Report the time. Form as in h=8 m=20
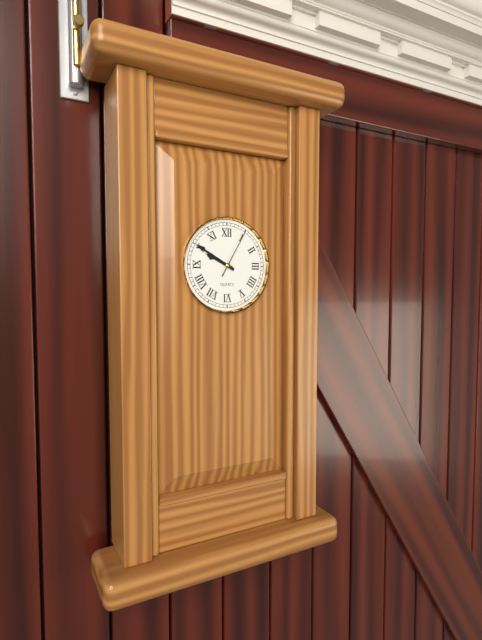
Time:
h=9 m=50
